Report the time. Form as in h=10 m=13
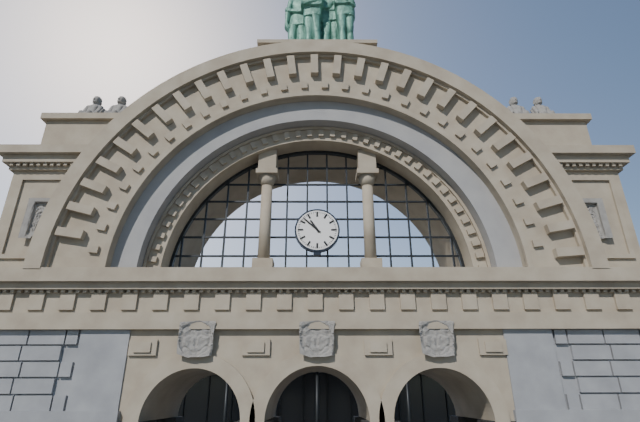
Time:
h=10 m=52
